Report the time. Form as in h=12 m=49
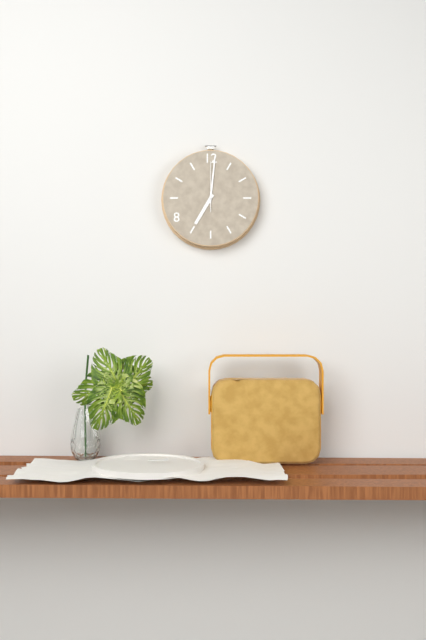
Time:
h=7 m=1
